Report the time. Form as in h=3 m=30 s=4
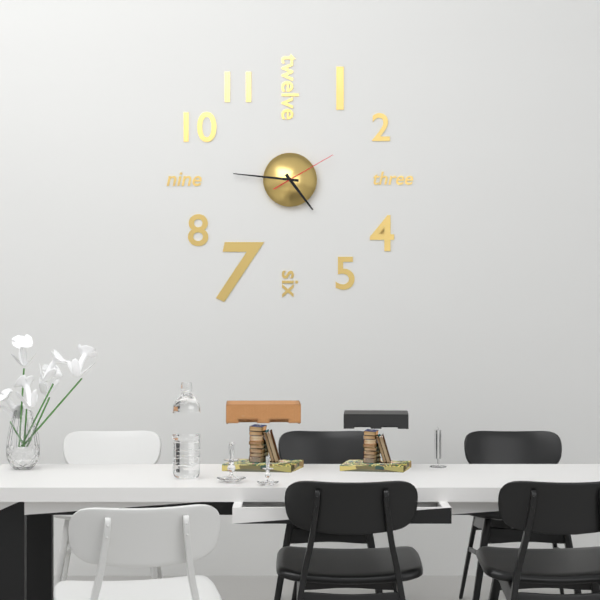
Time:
h=4 m=46 s=10
